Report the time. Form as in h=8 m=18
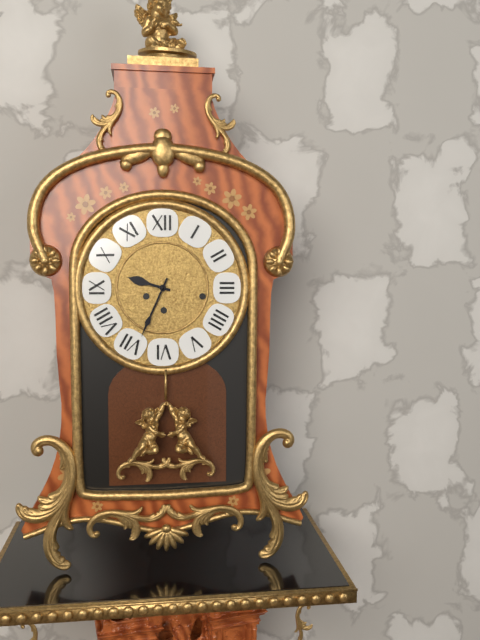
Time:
h=9 m=34
